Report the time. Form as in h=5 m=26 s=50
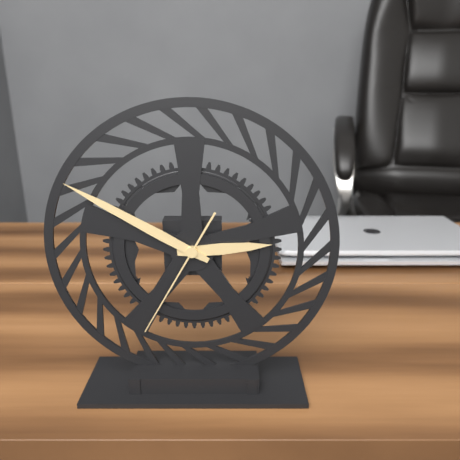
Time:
h=2 m=50 s=35
